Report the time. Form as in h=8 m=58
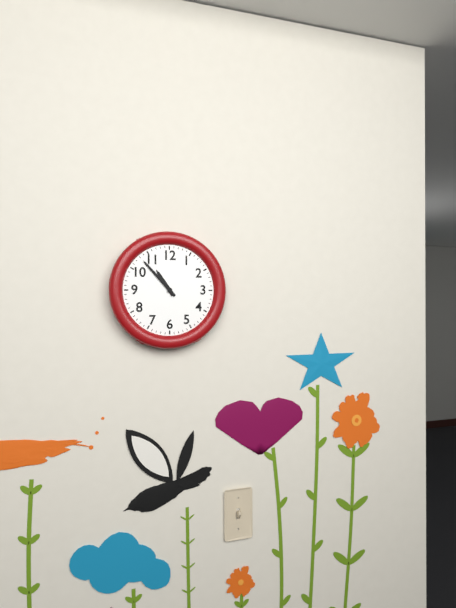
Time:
h=10 m=53
